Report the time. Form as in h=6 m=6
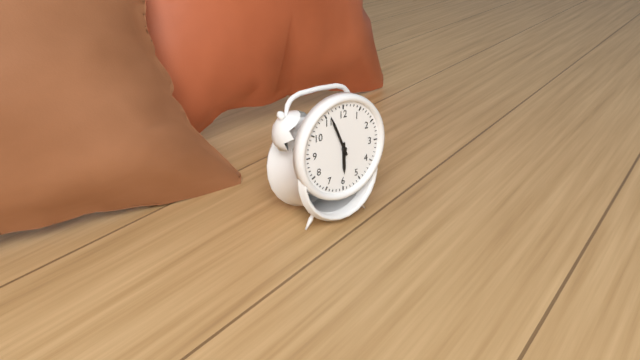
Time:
h=5 m=56
